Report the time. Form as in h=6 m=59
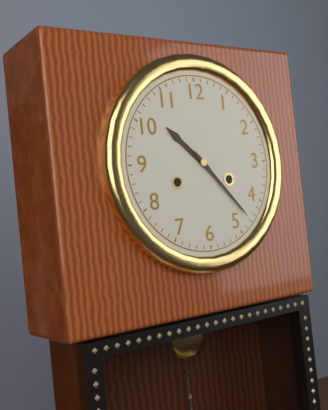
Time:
h=10 m=23
